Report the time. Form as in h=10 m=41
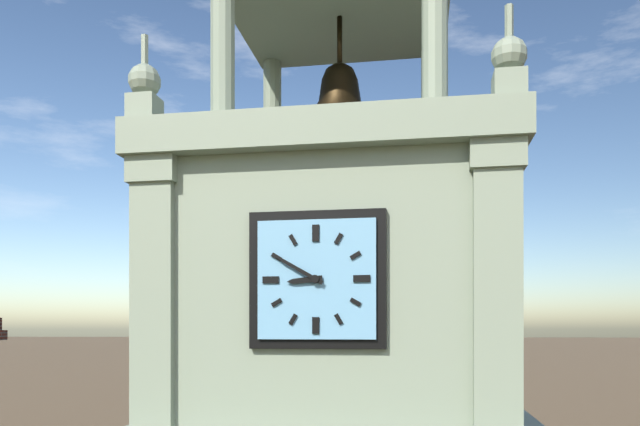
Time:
h=8 m=50
